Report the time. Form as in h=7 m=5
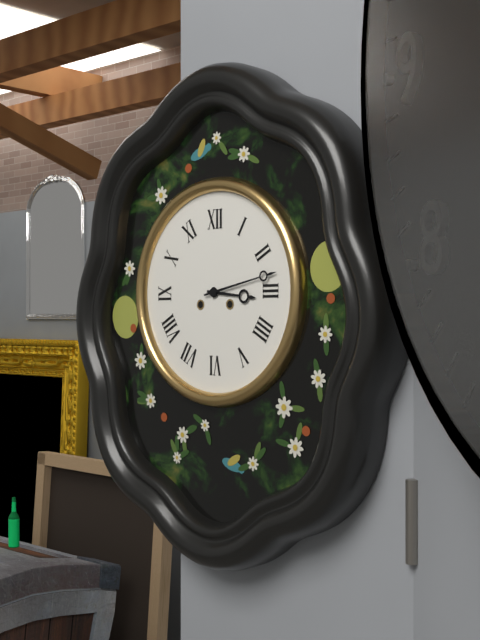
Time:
h=3 m=13
